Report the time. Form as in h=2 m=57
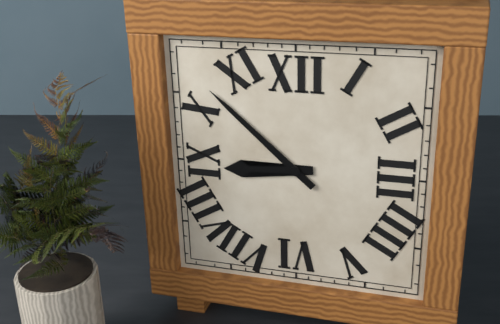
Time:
h=8 m=52
